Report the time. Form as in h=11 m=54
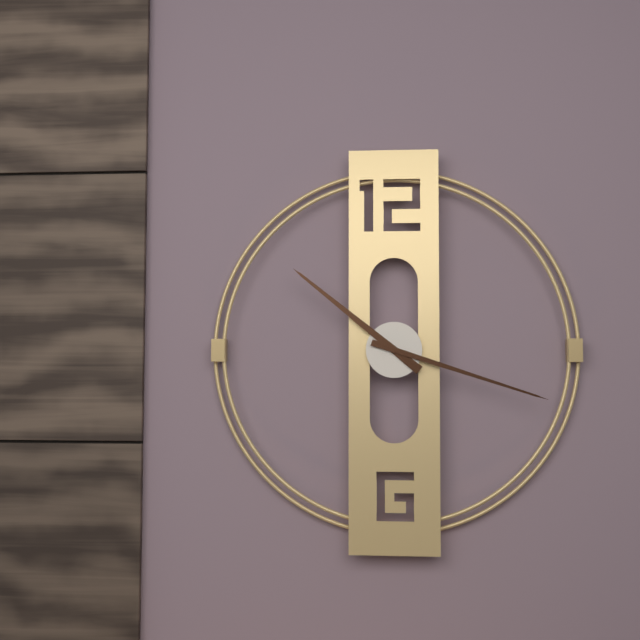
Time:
h=10 m=18
